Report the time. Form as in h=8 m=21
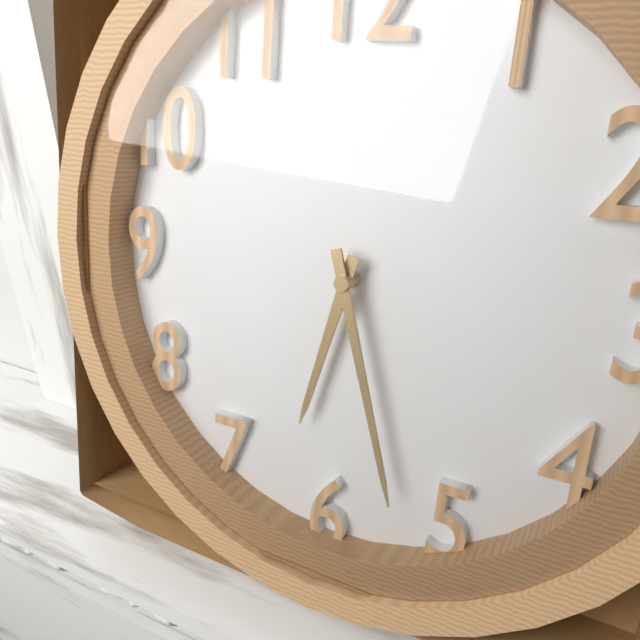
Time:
h=6 m=27
